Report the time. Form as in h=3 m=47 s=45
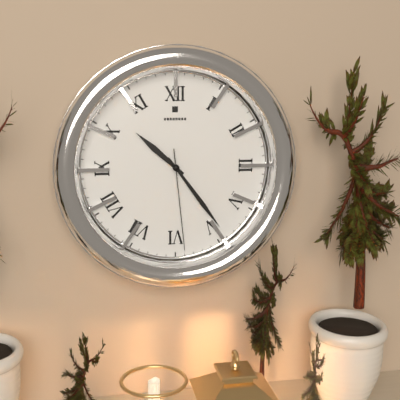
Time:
h=10 m=24 s=29
